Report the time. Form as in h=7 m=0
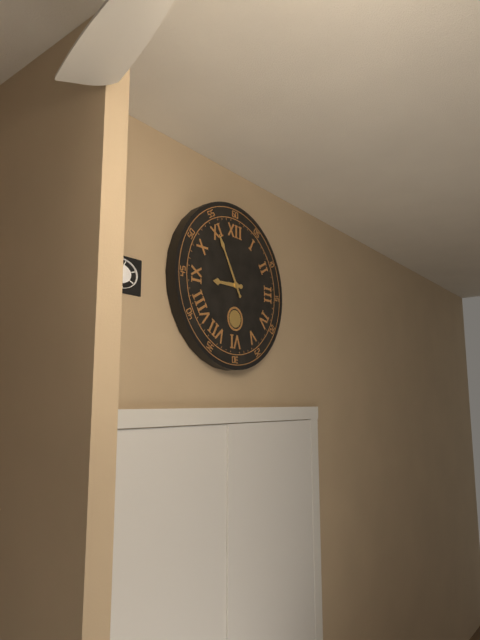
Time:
h=8 m=55
